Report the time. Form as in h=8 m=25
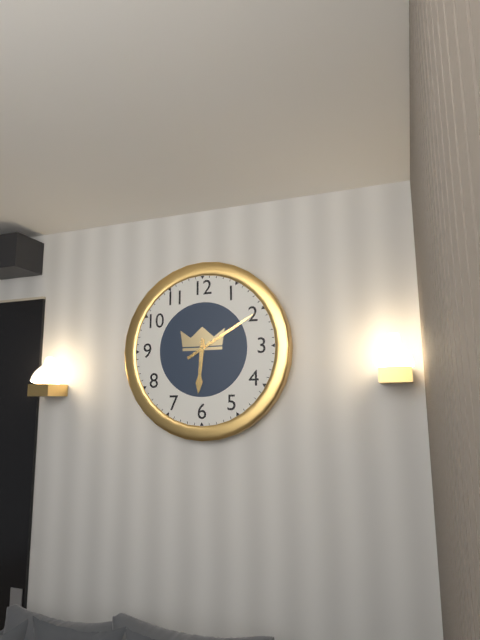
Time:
h=6 m=10
